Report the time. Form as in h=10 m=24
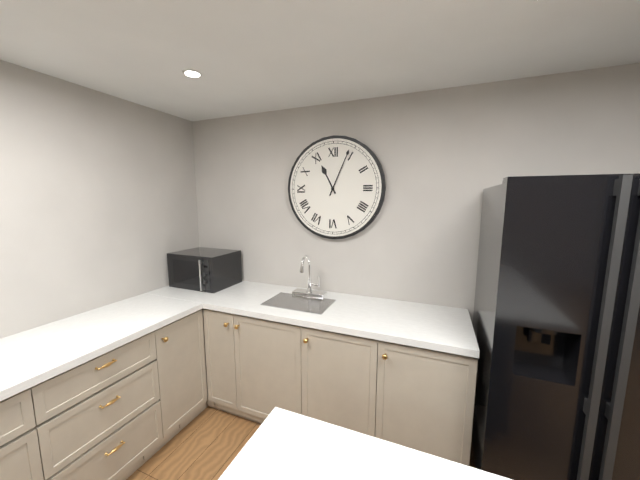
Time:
h=11 m=4
